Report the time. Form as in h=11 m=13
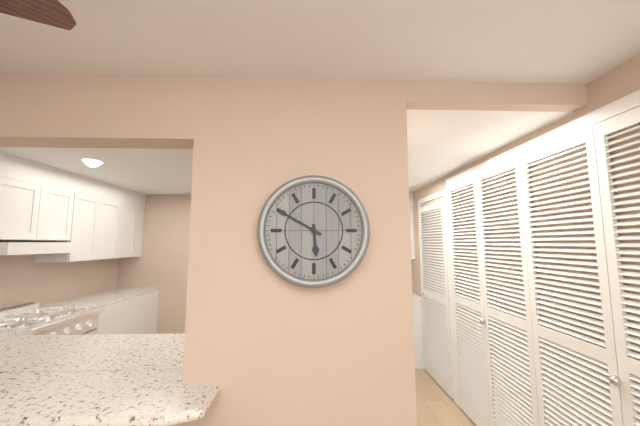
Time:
h=5 m=50
